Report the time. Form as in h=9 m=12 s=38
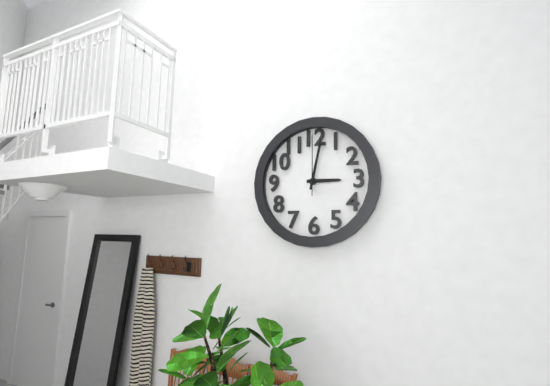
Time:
h=3 m=2 s=0
